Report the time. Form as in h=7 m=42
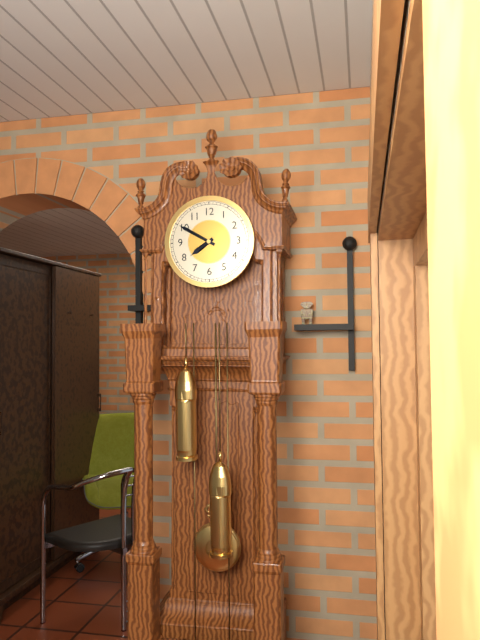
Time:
h=7 m=50
